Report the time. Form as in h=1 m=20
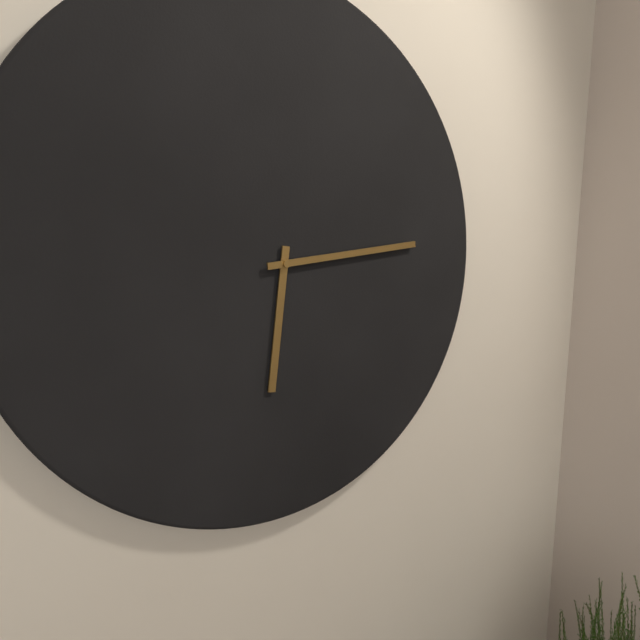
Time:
h=6 m=14
